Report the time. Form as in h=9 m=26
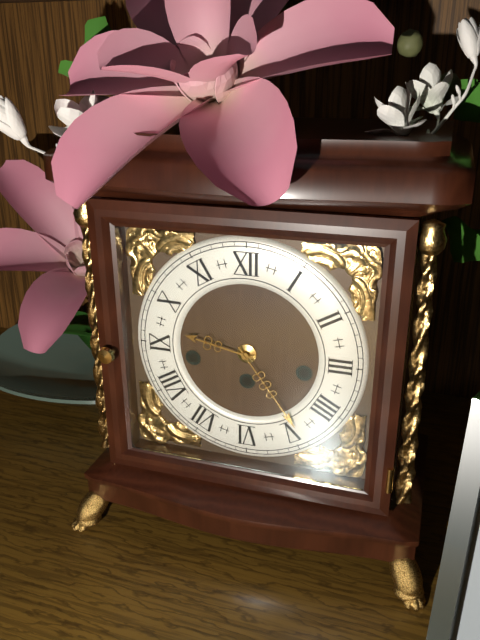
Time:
h=9 m=24
